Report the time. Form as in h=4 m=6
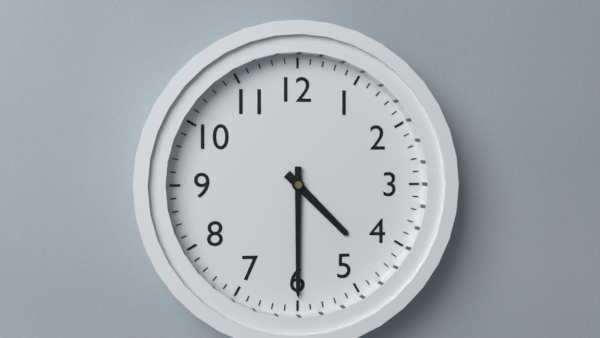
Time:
h=4 m=30
